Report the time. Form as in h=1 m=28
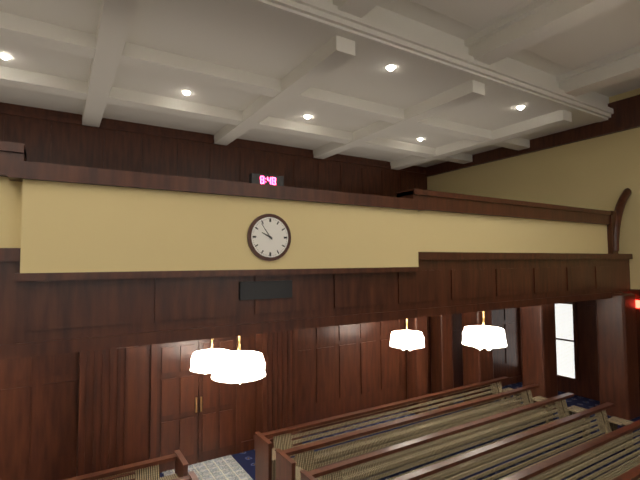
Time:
h=9 m=54
